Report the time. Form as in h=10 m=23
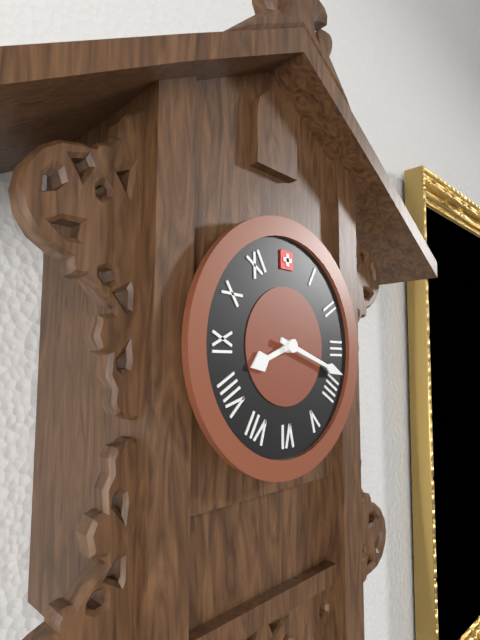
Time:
h=8 m=18
